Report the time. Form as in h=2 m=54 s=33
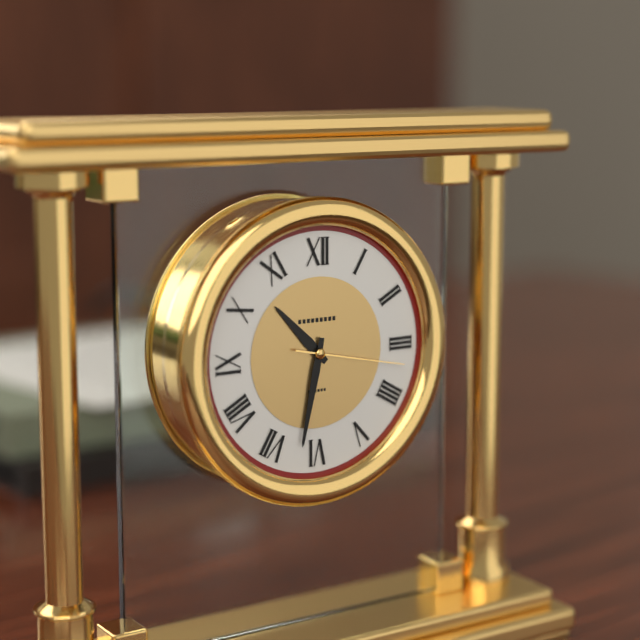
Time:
h=10 m=32 s=17
